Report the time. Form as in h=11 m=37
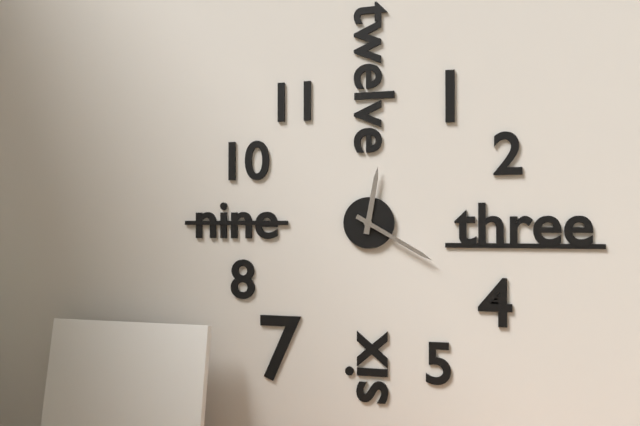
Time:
h=12 m=20
